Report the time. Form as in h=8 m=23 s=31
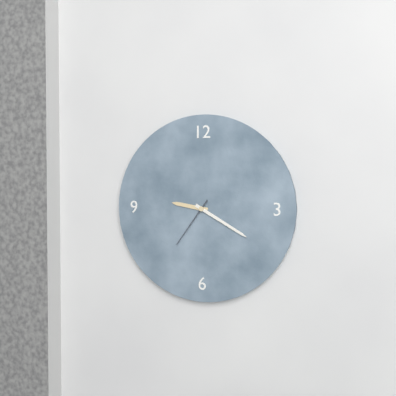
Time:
h=9 m=20 s=36
